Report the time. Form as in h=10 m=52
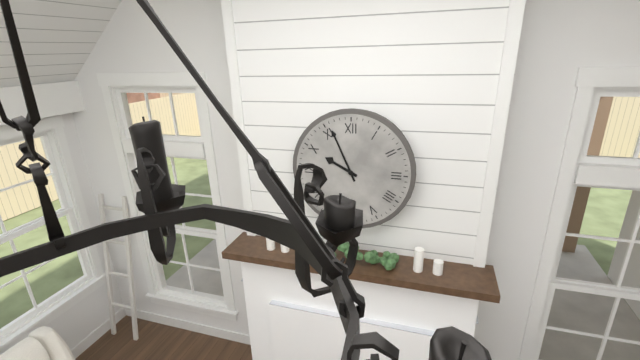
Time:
h=9 m=56
